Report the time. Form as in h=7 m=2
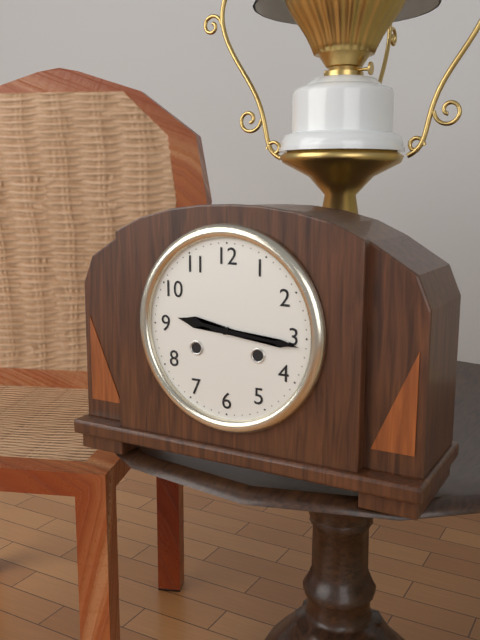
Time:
h=9 m=16
